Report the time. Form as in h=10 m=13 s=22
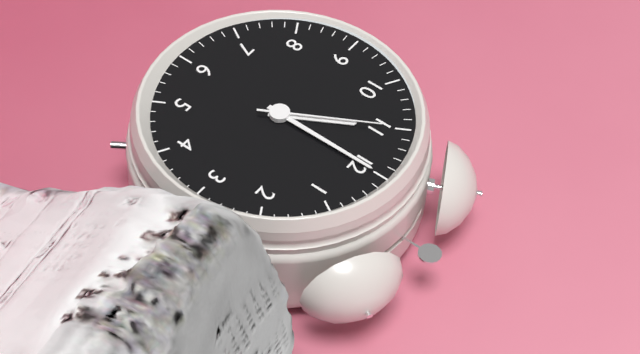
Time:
h=11 m=0 s=55
